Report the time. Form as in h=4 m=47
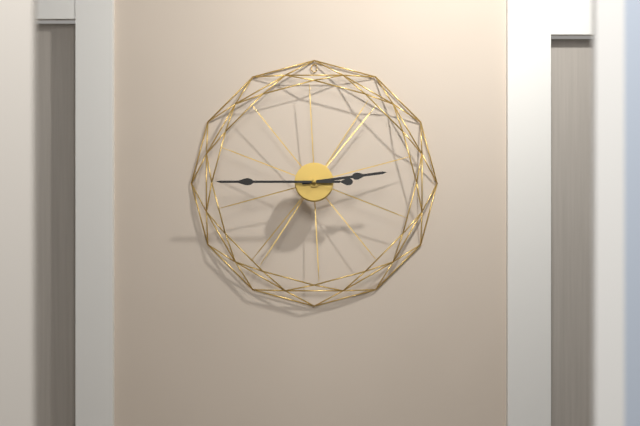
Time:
h=2 m=45
